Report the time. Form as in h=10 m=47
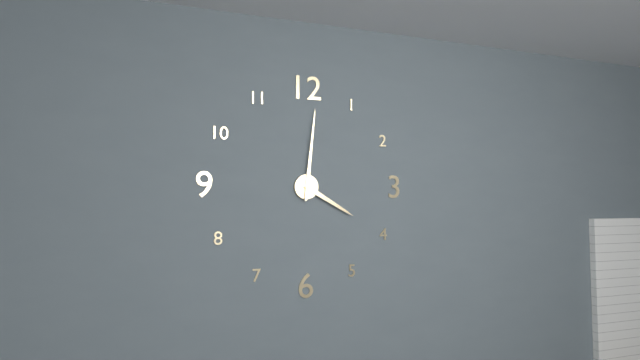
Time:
h=4 m=1
